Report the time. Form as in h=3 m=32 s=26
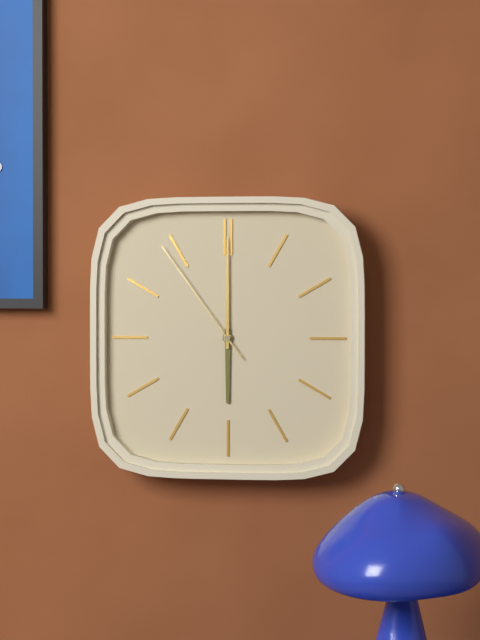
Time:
h=6 m=0 s=54
